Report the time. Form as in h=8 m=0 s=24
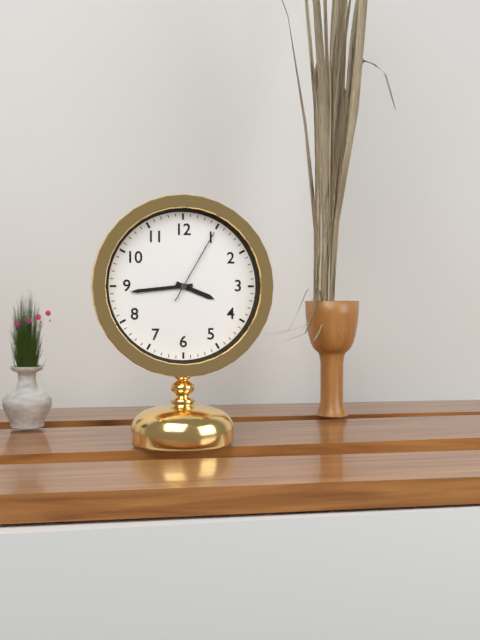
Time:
h=3 m=44 s=5
